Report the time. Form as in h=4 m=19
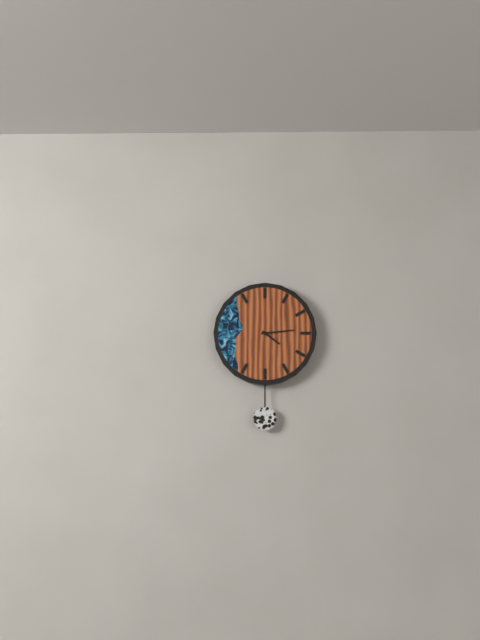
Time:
h=4 m=14
